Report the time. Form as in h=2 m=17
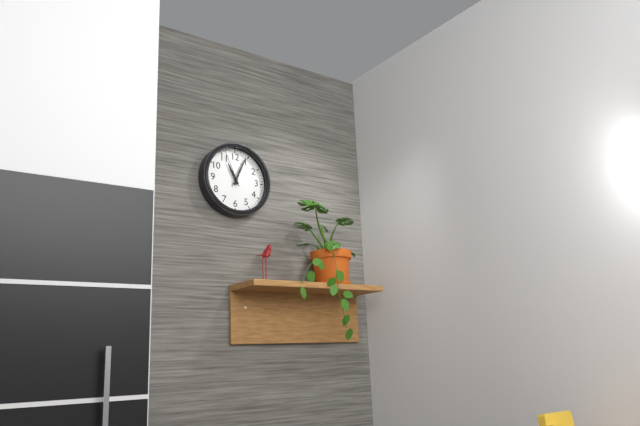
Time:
h=11 m=4
